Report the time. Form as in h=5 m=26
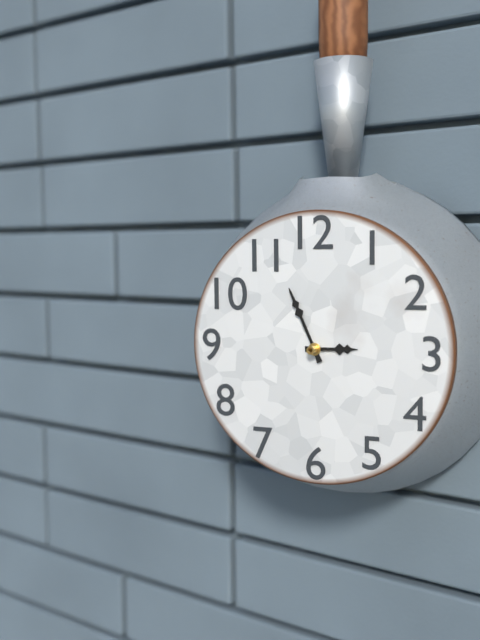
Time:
h=2 m=56
